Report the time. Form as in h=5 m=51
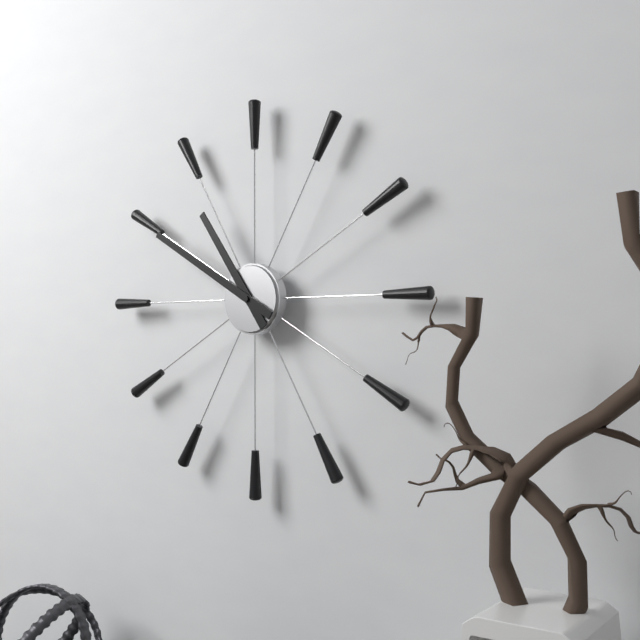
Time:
h=10 m=50
